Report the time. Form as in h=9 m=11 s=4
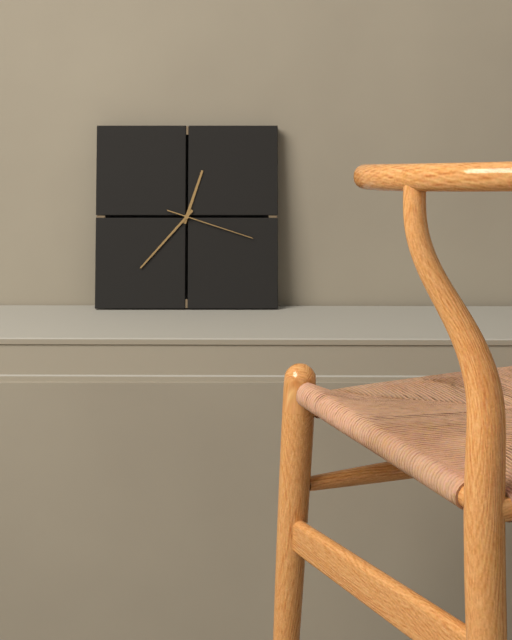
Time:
h=12 m=37 s=18
